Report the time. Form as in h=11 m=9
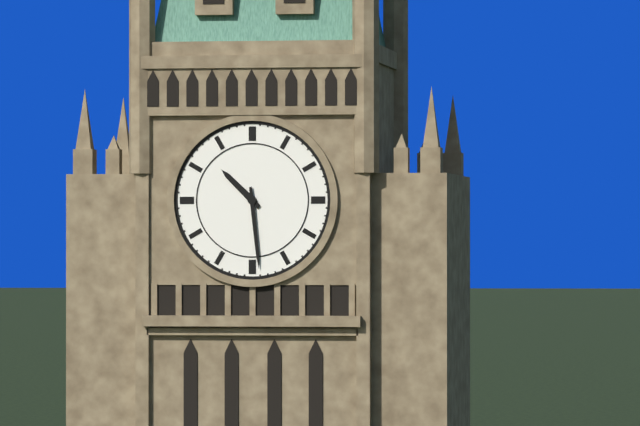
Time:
h=10 m=29
